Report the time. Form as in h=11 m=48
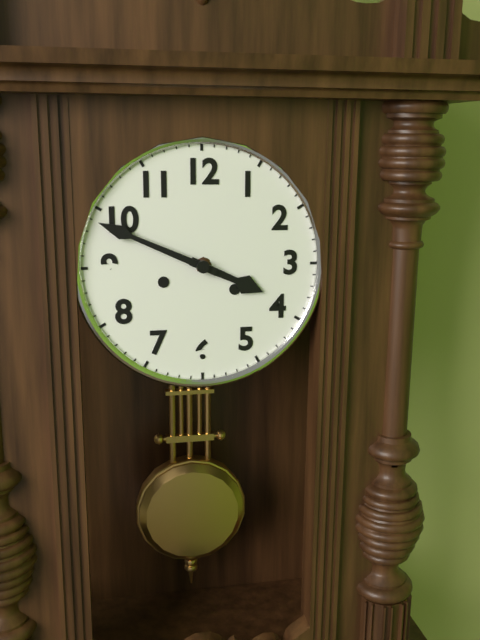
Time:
h=3 m=49
